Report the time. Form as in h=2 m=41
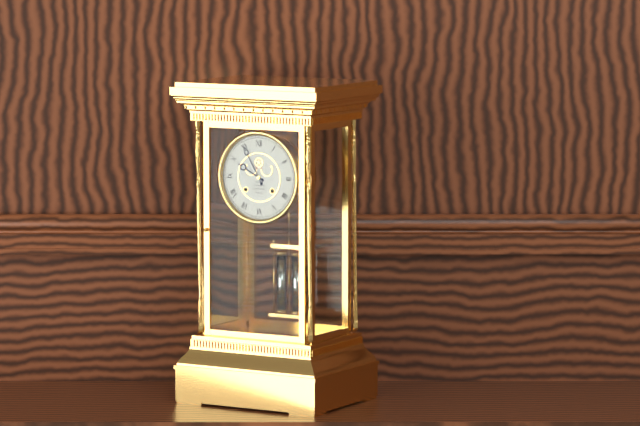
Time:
h=9 m=55
